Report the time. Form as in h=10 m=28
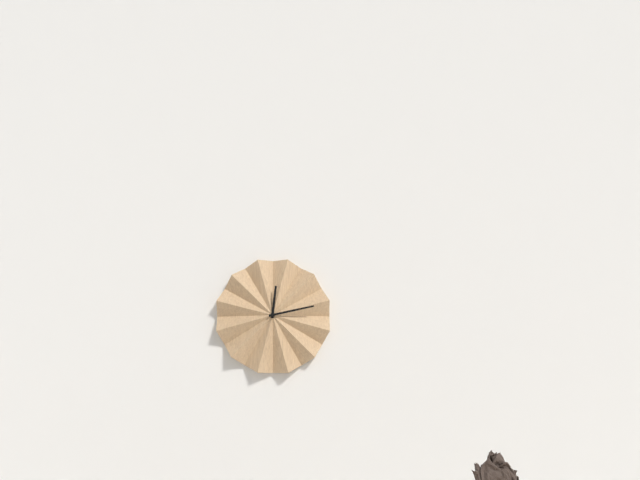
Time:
h=12 m=13
